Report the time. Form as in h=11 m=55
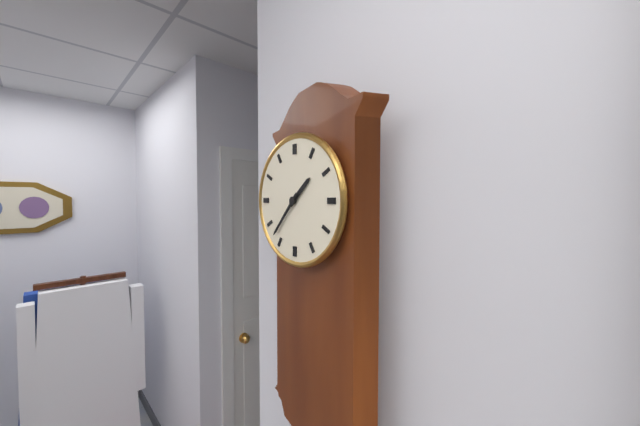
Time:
h=1 m=37
